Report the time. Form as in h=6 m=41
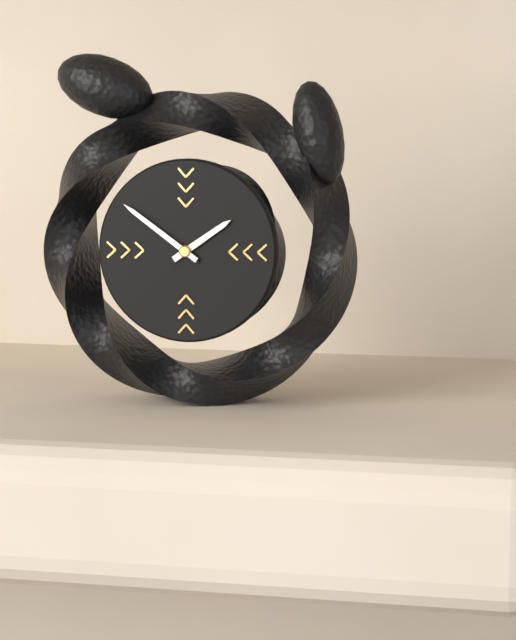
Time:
h=1 m=51
